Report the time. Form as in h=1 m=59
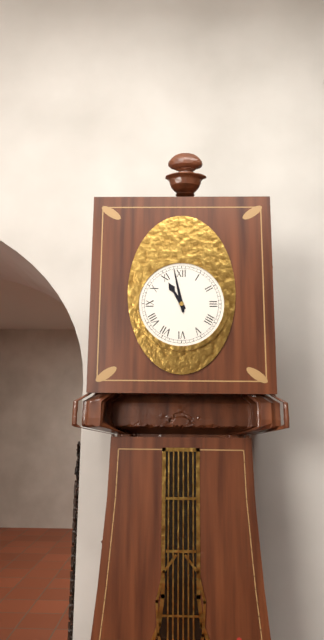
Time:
h=10 m=58
